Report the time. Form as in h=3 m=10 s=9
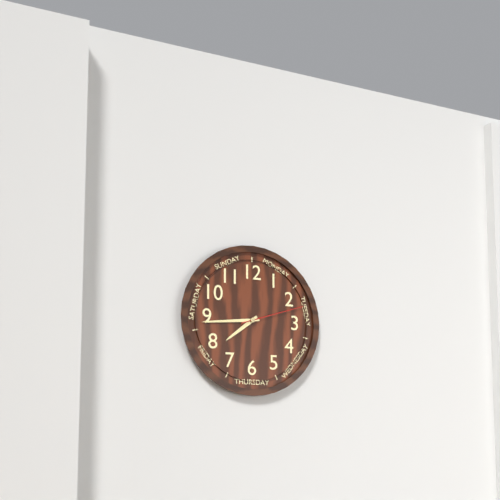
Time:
h=7 m=44 s=12
